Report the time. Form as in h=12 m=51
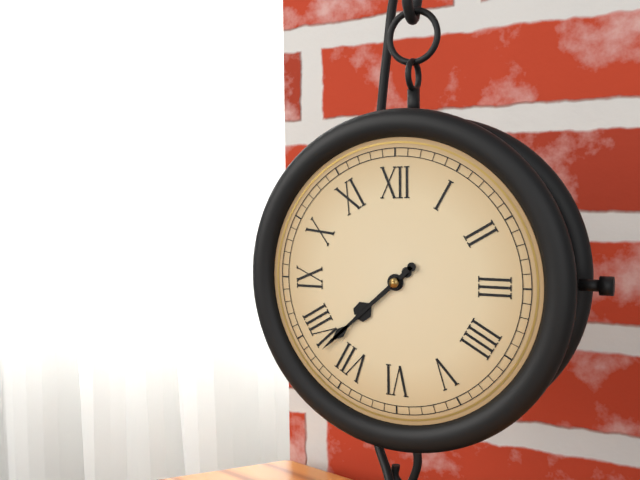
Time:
h=7 m=38
